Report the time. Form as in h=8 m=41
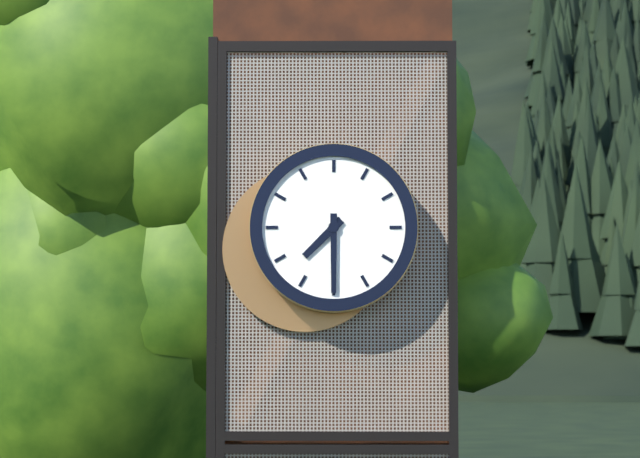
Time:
h=7 m=30
